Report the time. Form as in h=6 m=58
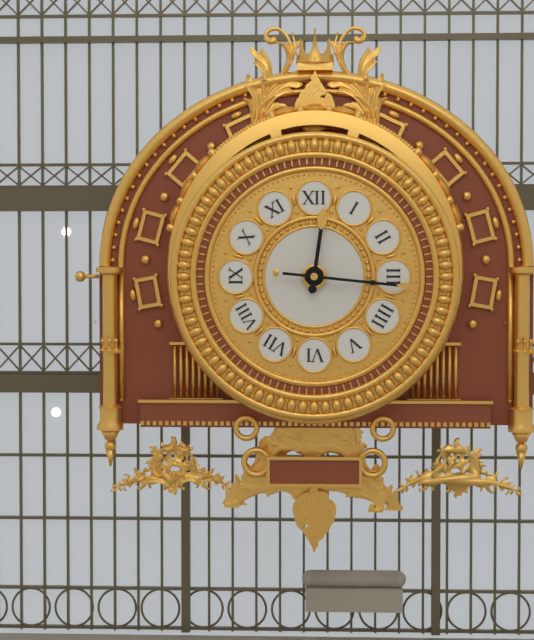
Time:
h=12 m=16
